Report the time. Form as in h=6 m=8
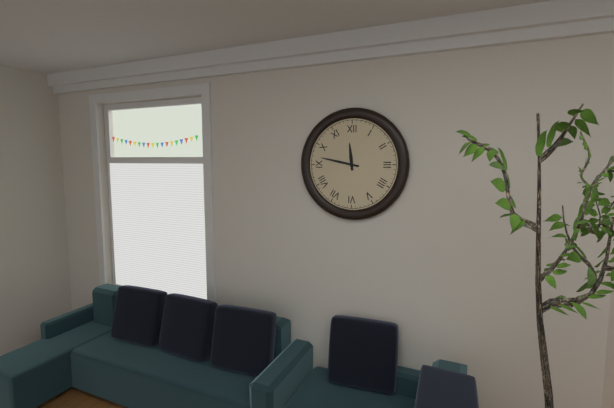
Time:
h=11 m=47
